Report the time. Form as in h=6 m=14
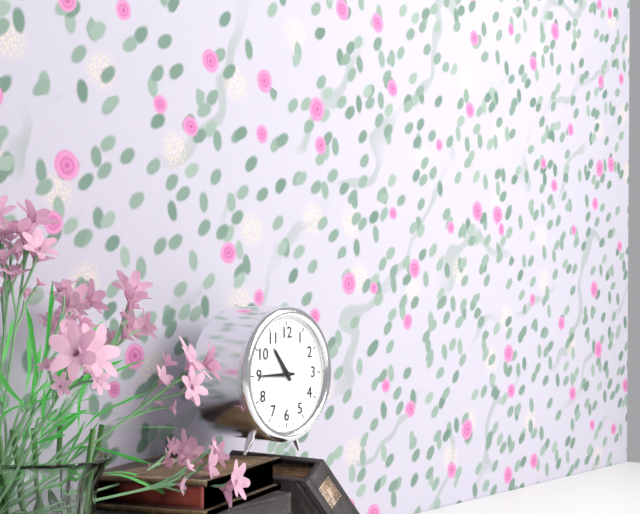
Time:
h=10 m=45
